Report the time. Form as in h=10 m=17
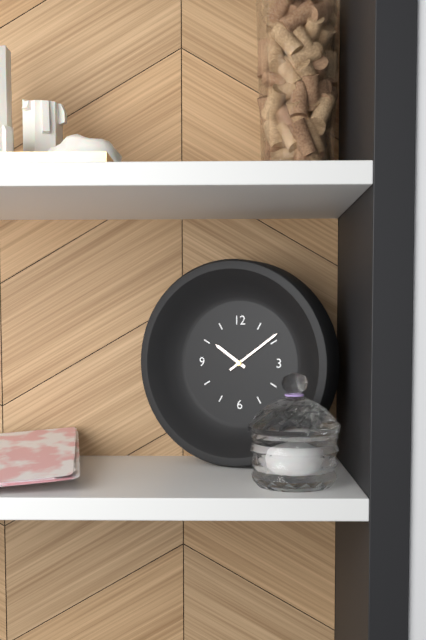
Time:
h=10 m=9
